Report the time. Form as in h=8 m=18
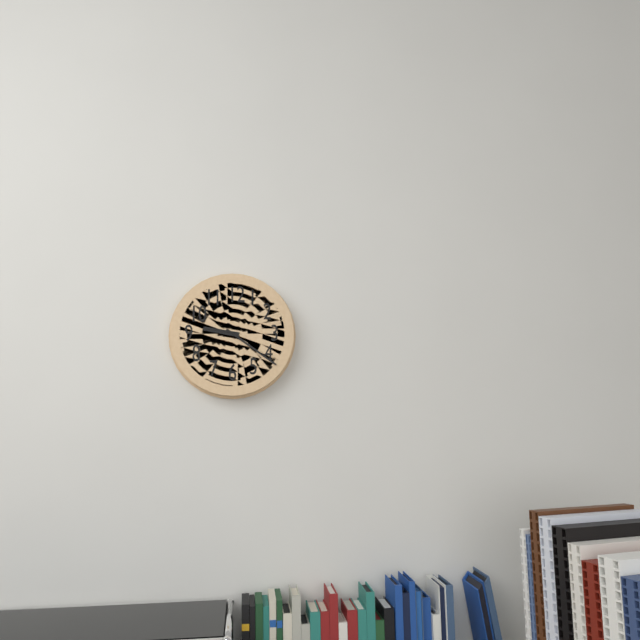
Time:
h=9 m=21
